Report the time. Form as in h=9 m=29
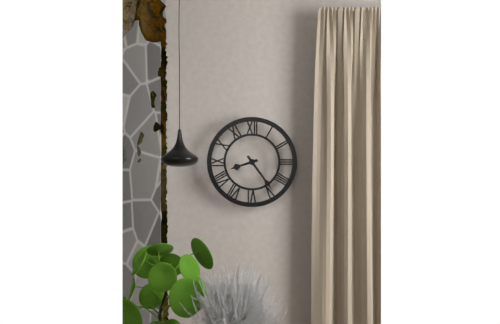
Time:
h=8 m=24
